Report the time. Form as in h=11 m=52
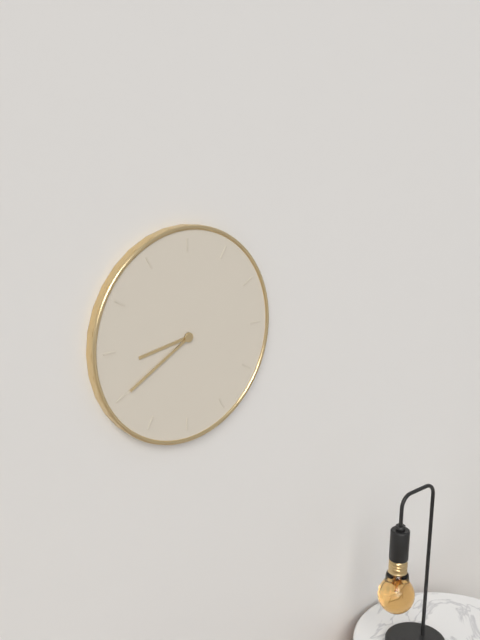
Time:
h=8 m=40
